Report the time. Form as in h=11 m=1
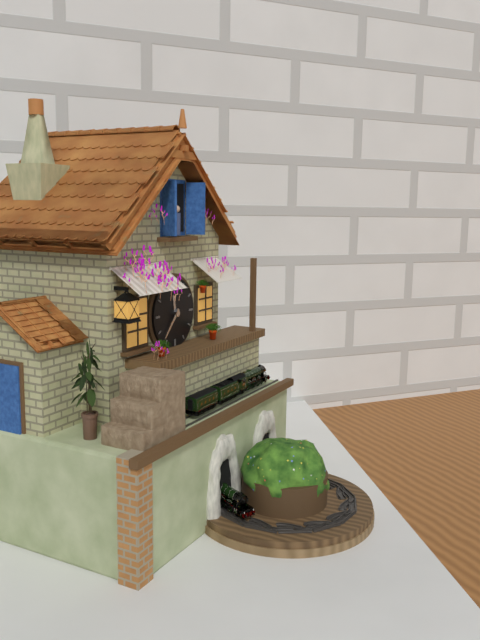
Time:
h=11 m=37
